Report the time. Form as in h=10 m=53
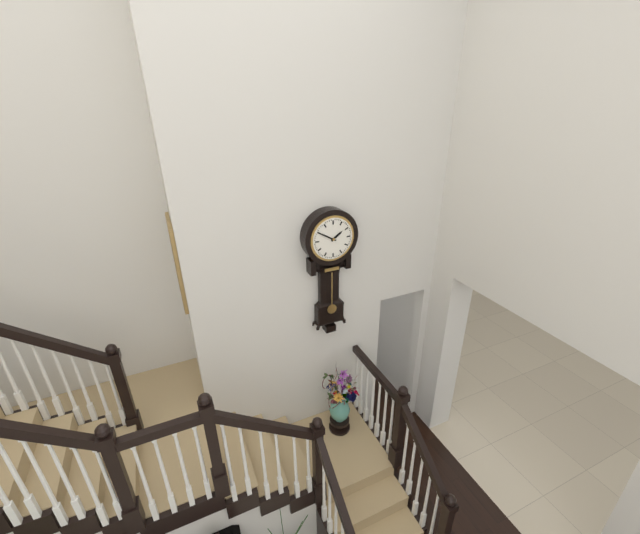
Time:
h=1 m=50
